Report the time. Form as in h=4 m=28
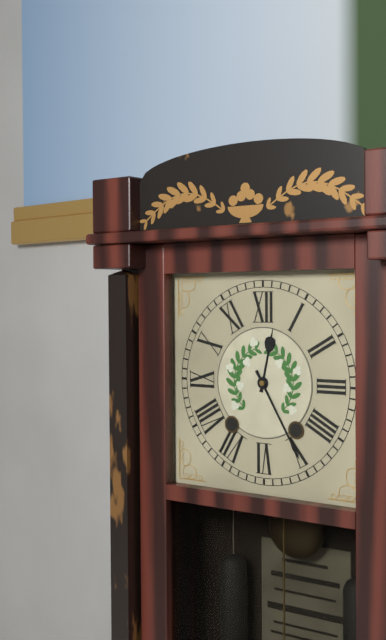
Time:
h=12 m=25
